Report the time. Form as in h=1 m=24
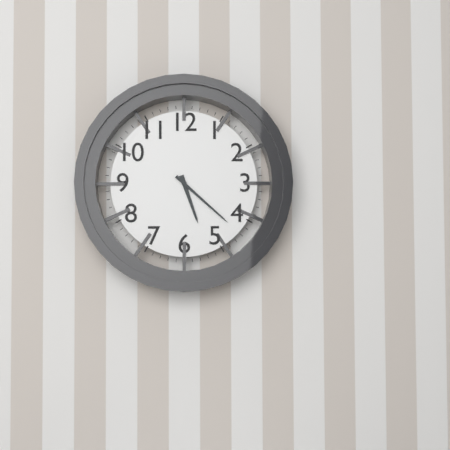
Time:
h=5 m=22
